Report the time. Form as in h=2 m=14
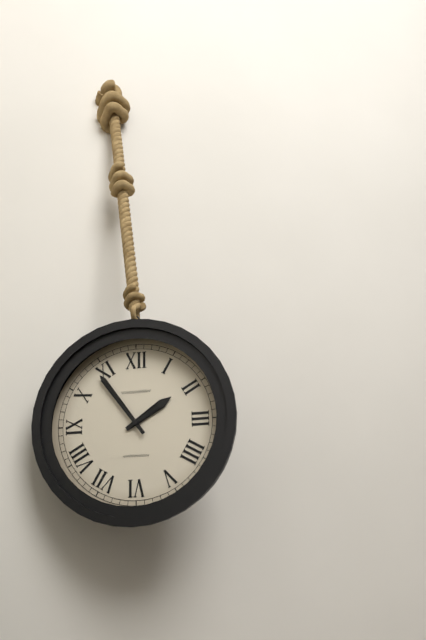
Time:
h=1 m=54
